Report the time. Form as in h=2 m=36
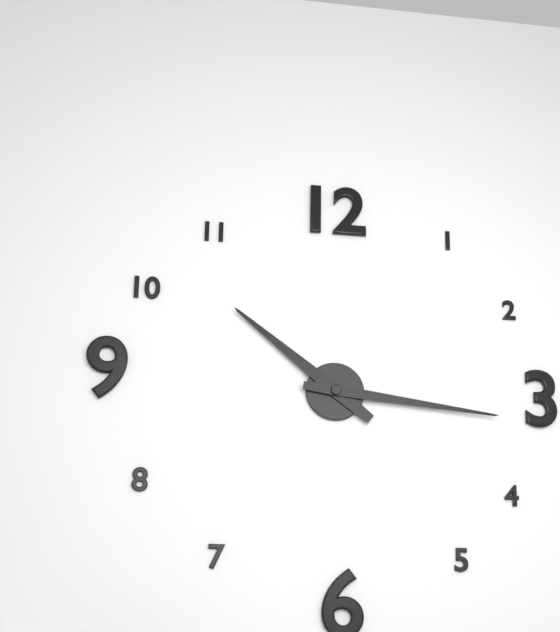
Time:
h=10 m=16
